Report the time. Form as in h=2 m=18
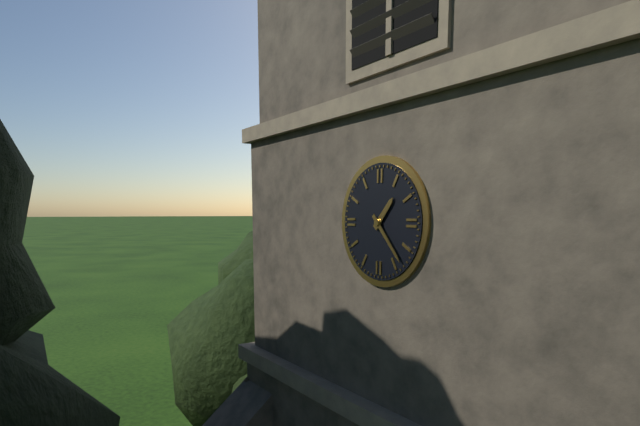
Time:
h=1 m=23
